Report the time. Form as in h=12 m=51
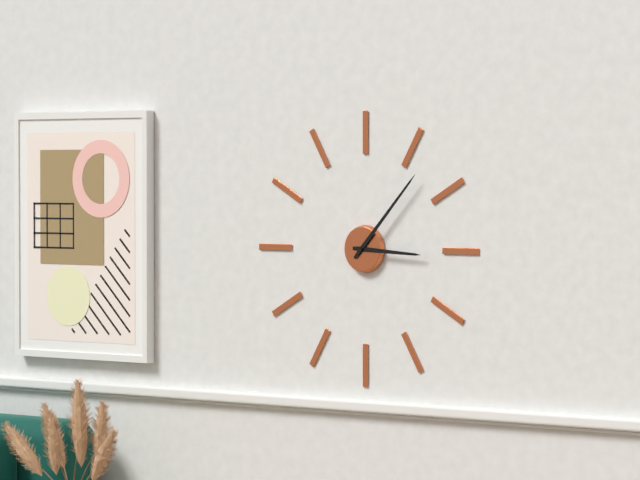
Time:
h=3 m=7
